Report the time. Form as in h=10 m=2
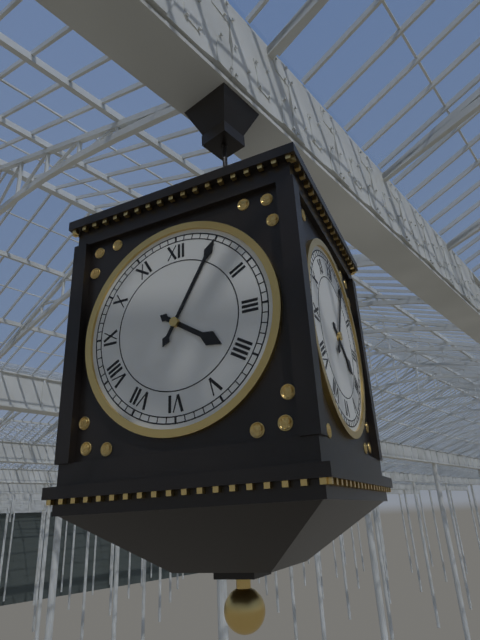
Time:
h=4 m=5
